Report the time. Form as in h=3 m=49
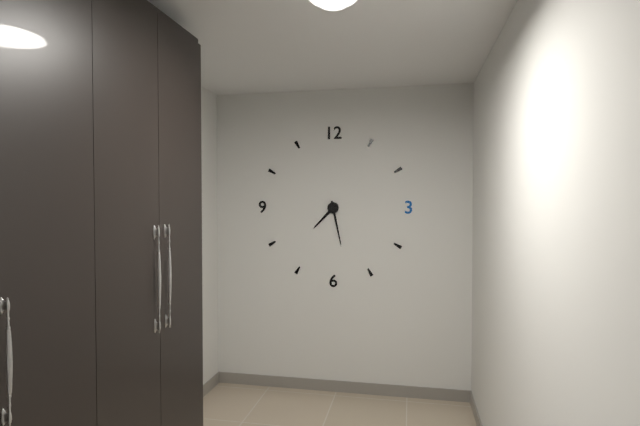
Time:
h=7 m=28
